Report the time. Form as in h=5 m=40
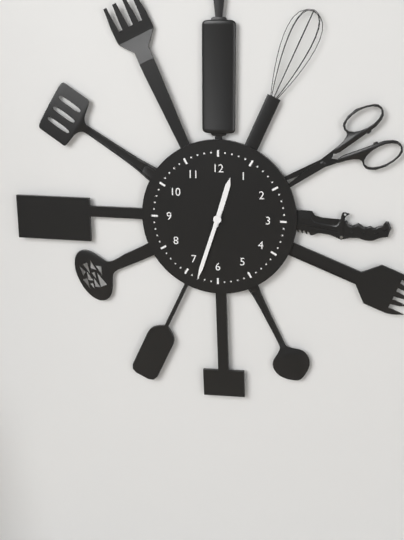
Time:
h=12 m=33
